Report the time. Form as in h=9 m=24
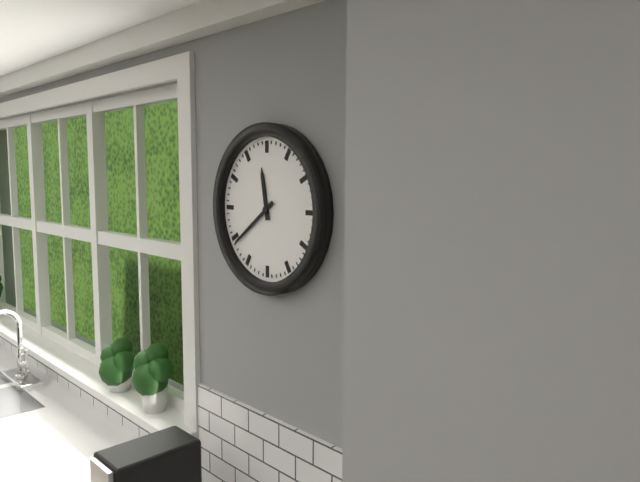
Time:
h=11 m=39
